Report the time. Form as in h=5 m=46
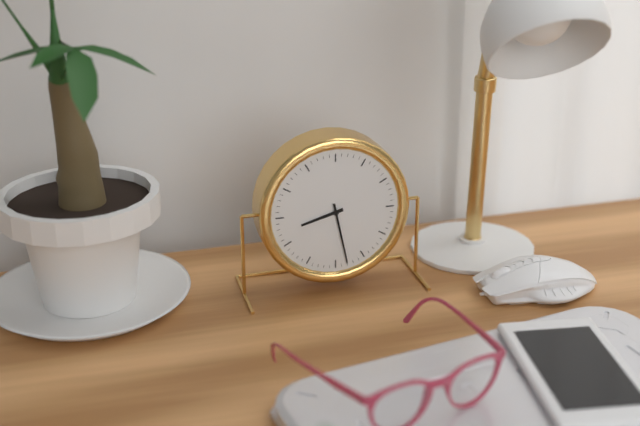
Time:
h=8 m=28
